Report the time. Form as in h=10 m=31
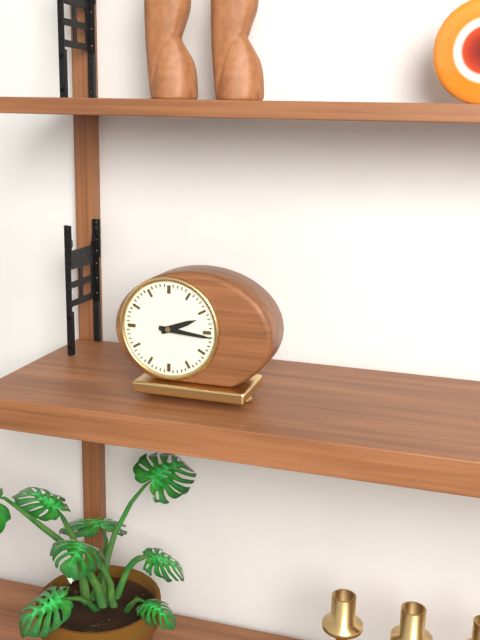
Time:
h=2 m=16
